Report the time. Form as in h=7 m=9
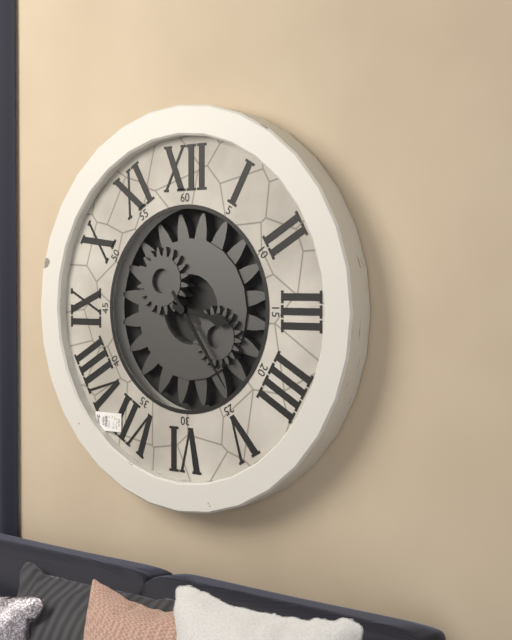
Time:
h=3 m=24
